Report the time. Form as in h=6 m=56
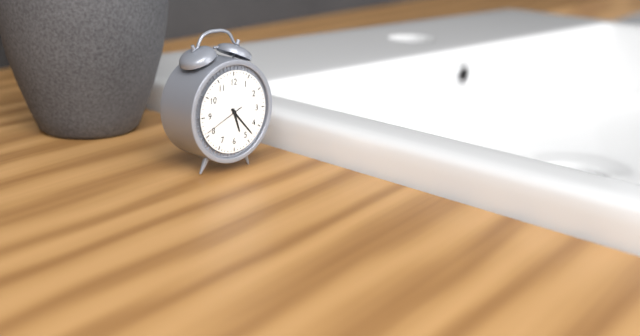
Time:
h=5 m=23
